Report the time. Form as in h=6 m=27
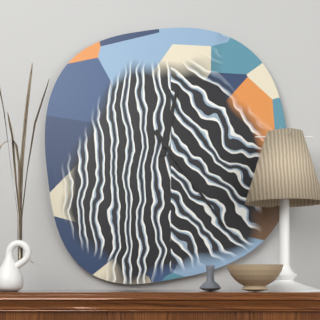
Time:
h=12 m=24
